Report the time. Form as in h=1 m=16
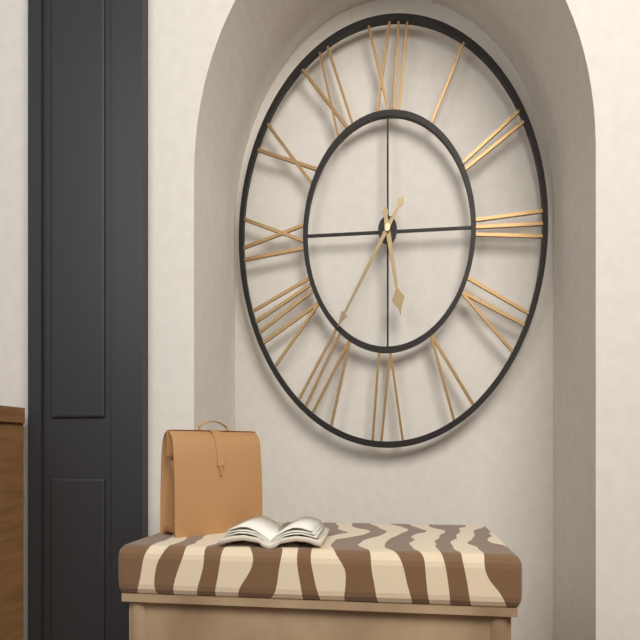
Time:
h=5 m=36
